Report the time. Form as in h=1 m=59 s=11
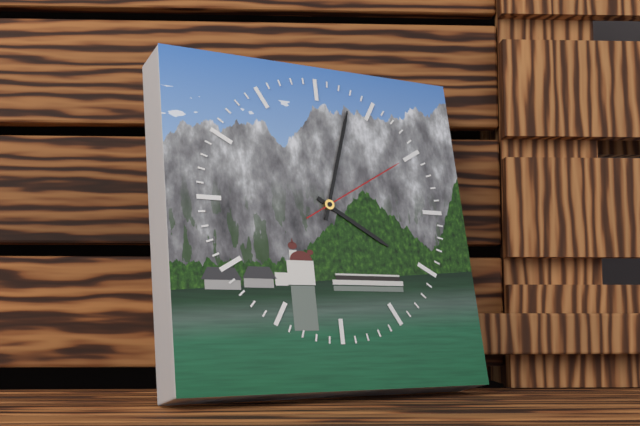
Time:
h=4 m=3 s=10
